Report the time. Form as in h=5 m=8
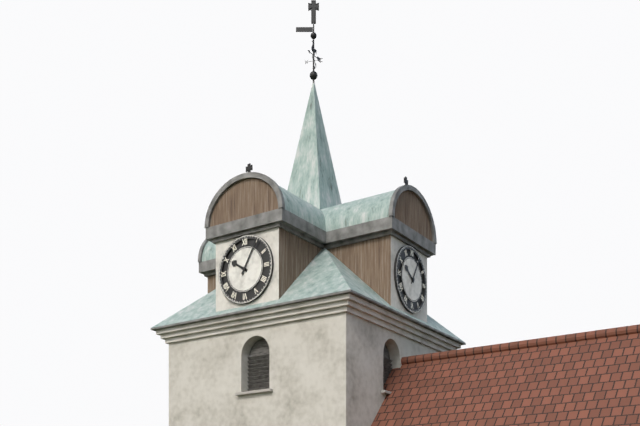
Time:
h=10 m=5
